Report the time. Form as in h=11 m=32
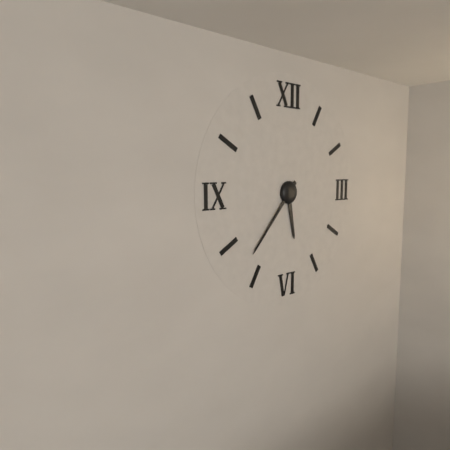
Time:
h=5 m=37
